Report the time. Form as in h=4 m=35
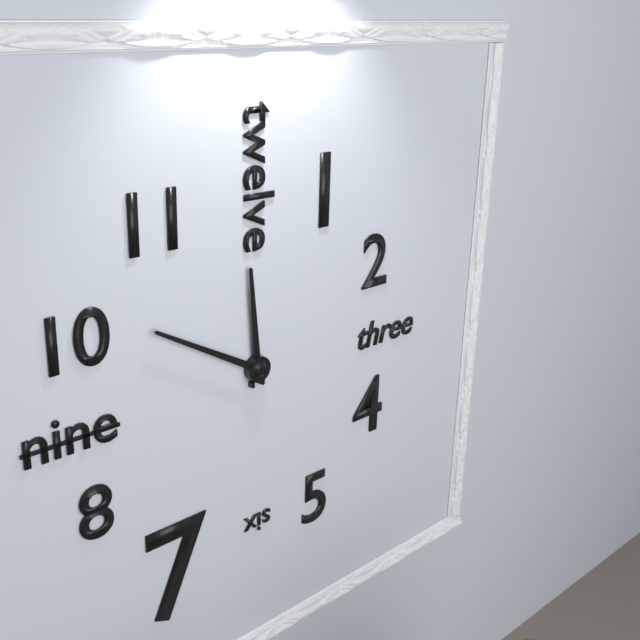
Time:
h=11 m=50
